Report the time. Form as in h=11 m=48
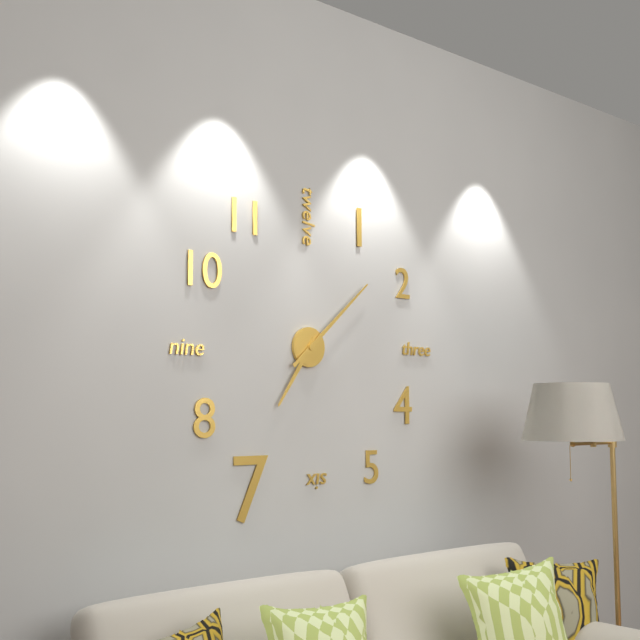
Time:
h=7 m=8
